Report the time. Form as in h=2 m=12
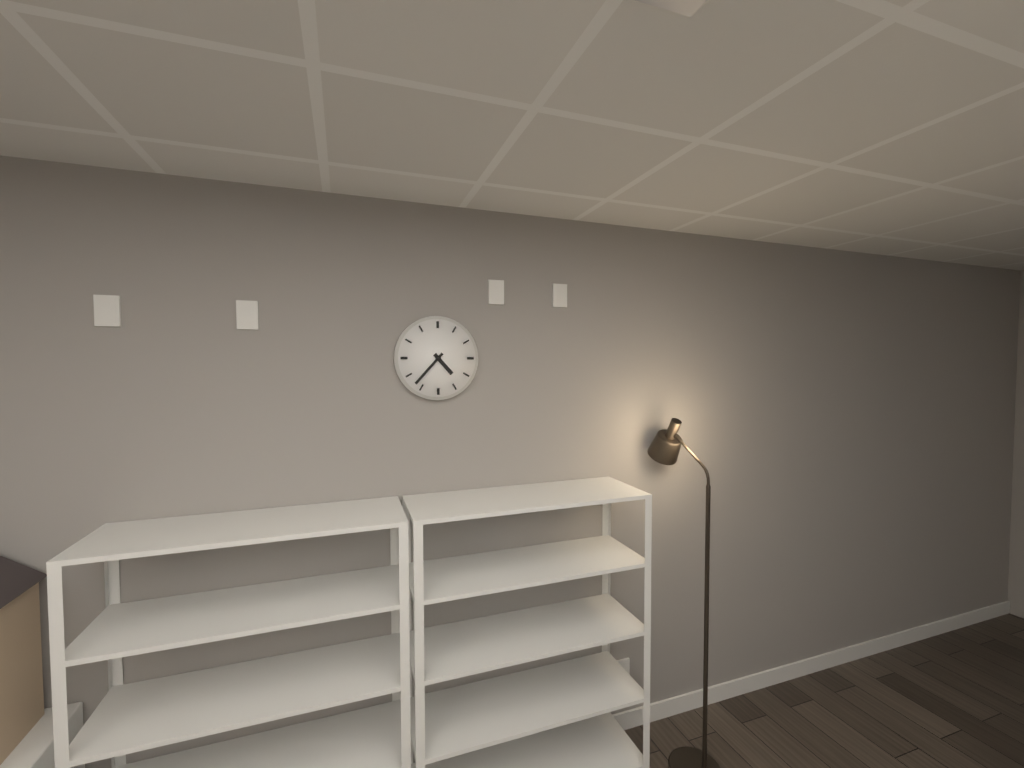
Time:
h=4 m=37
